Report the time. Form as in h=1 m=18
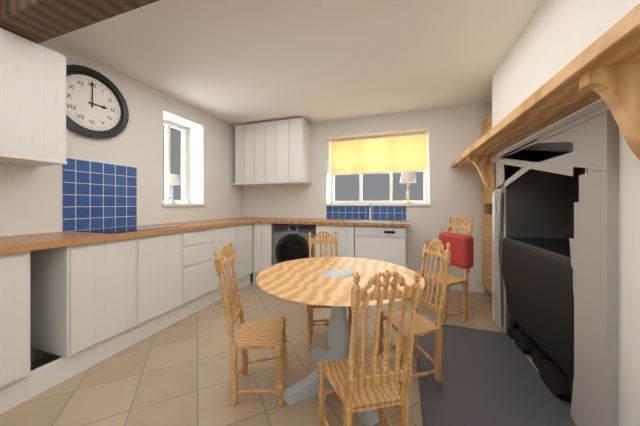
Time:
h=3 m=0
